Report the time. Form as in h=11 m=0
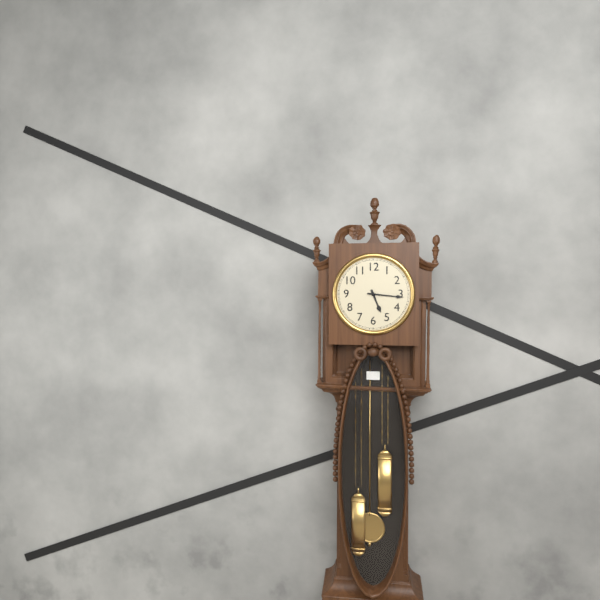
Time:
h=5 m=16
